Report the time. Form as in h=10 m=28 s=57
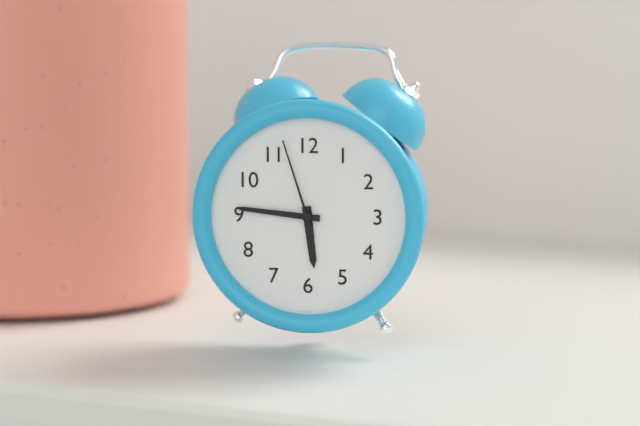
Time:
h=5 m=46 s=57
